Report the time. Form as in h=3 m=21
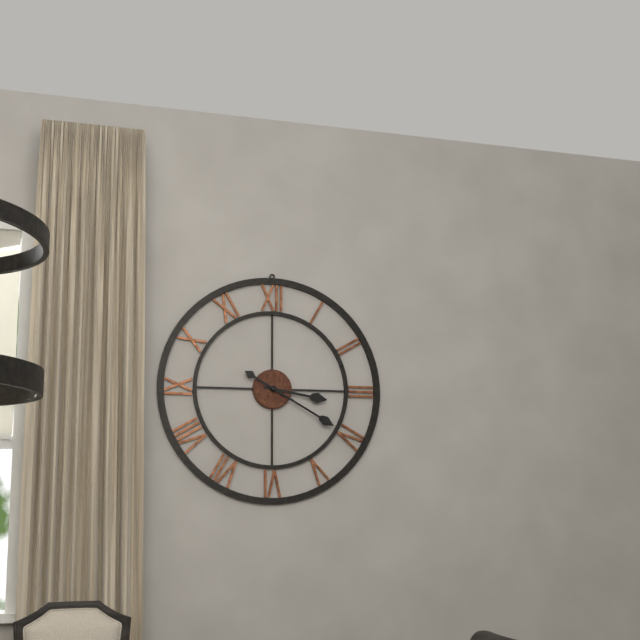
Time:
h=3 m=20
